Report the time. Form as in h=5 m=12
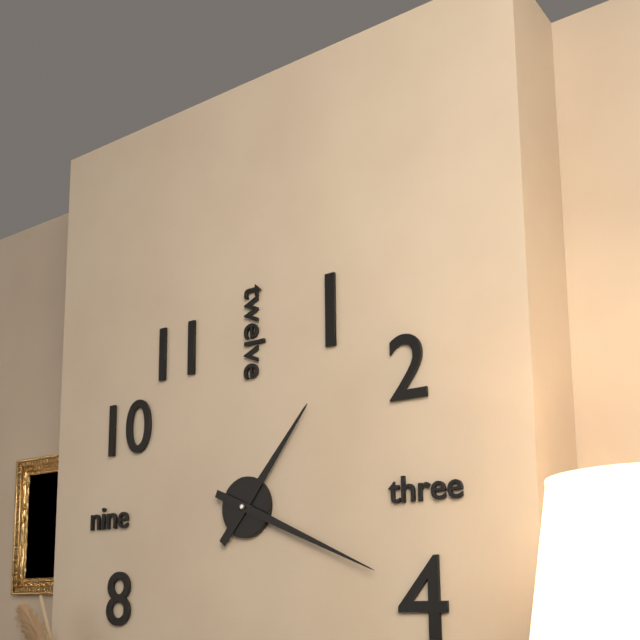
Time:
h=1 m=19
